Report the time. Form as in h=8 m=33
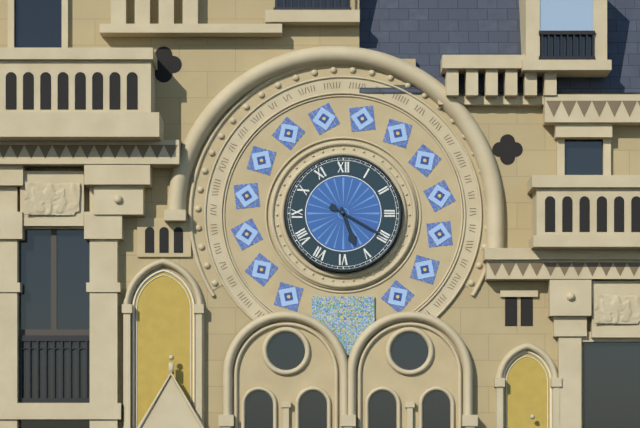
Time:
h=5 m=20
